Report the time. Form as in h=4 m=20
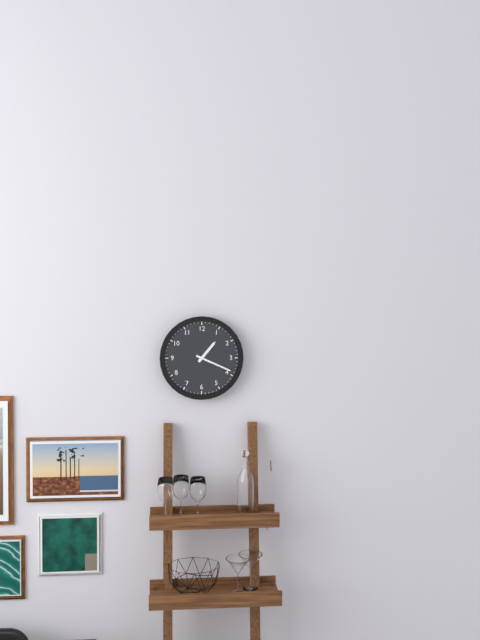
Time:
h=1 m=19
